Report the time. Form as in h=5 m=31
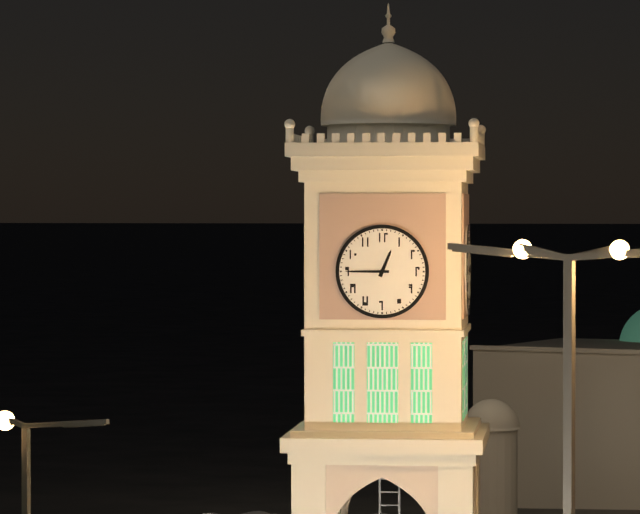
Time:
h=12 m=45
